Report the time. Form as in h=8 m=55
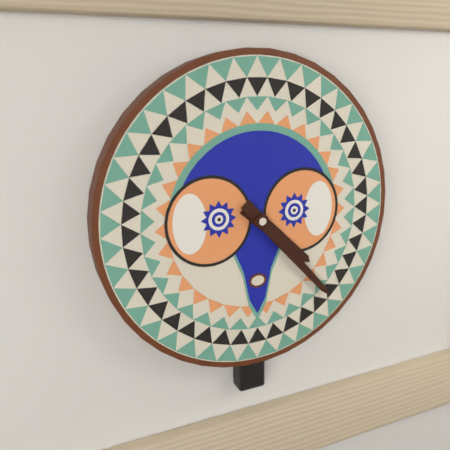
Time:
h=4 m=23
